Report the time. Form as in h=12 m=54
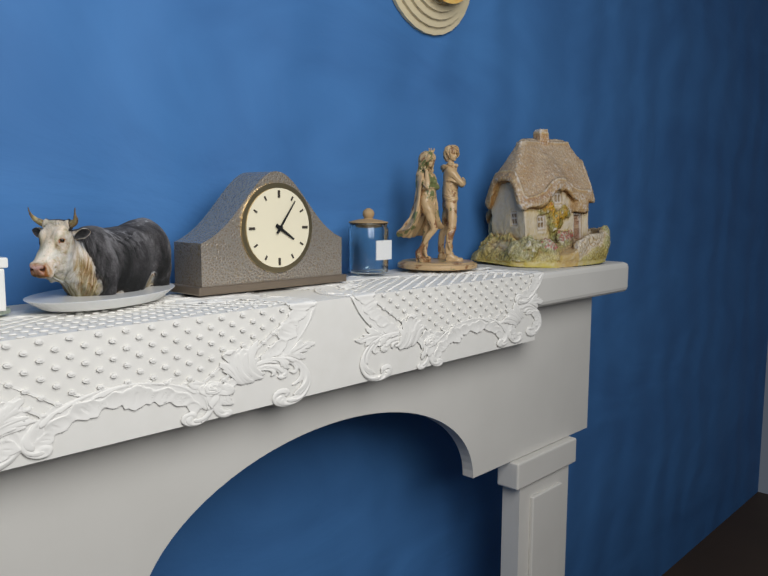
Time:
h=4 m=6
